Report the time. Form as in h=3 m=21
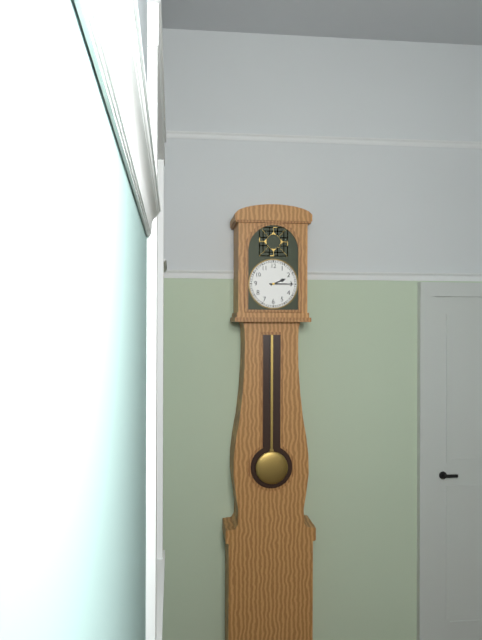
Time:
h=2 m=15
